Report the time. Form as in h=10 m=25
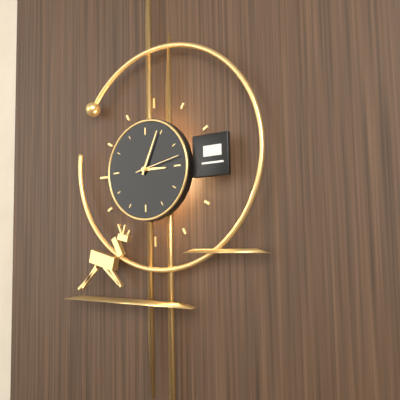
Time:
h=3 m=4
